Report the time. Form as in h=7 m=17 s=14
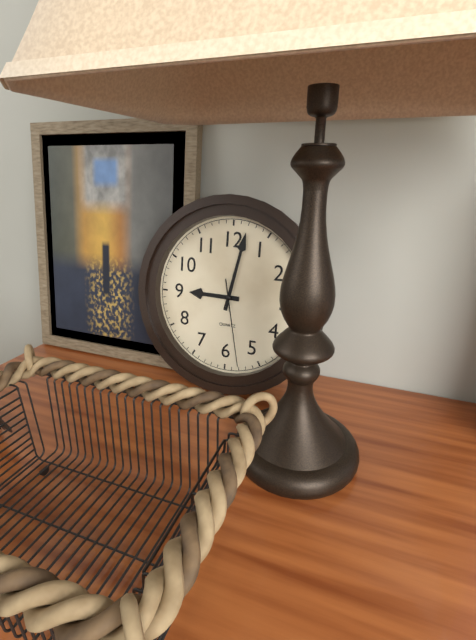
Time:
h=9 m=2 s=28
